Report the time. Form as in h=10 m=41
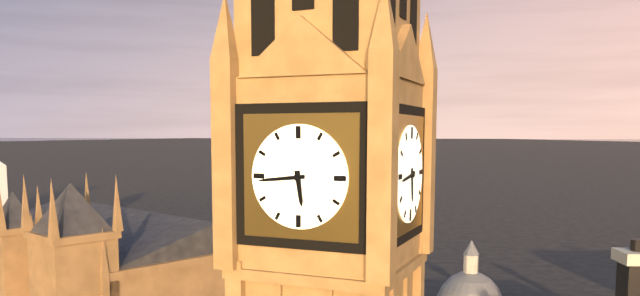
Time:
h=5 m=44
